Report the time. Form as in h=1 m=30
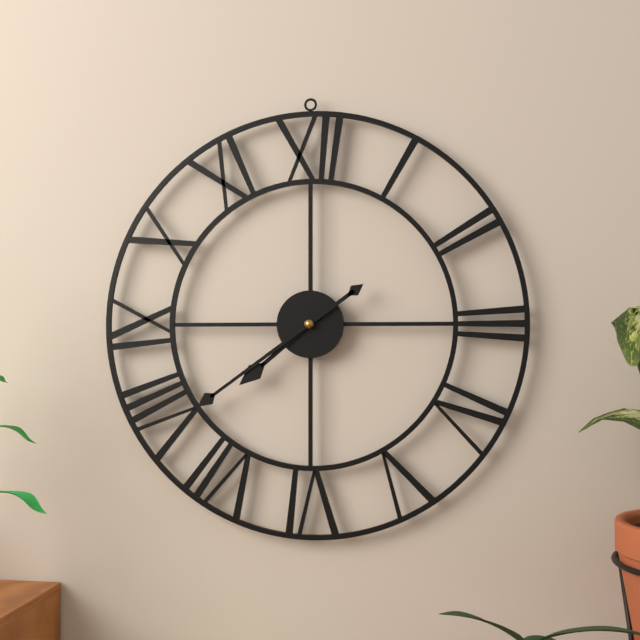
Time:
h=7 m=39
